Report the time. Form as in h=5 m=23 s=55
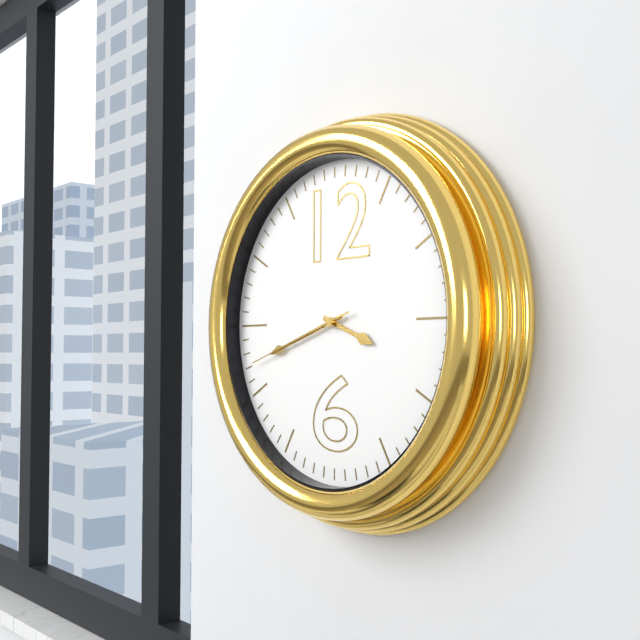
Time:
h=3 m=42 s=42
